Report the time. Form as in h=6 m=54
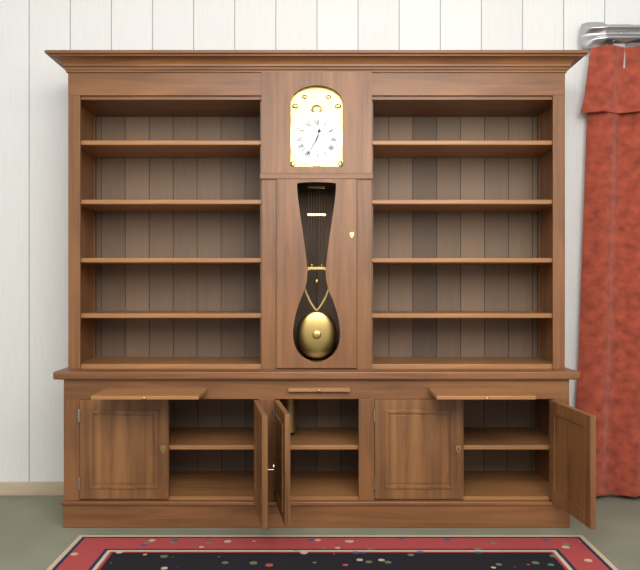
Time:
h=12 m=35
